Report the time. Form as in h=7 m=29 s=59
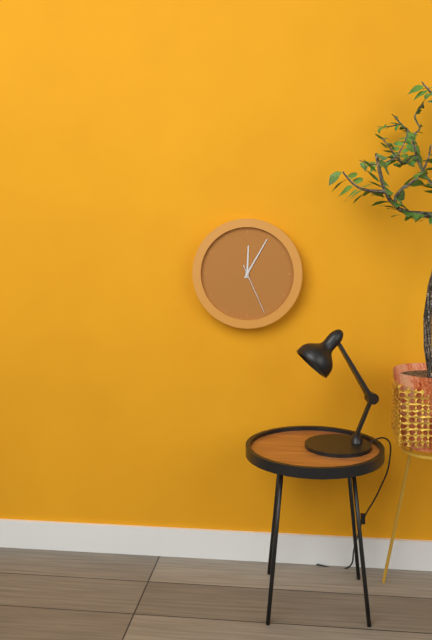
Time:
h=12 m=5 s=26
